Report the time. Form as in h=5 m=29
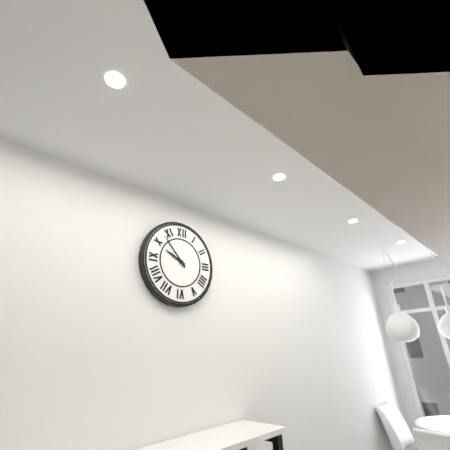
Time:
h=9 m=53
